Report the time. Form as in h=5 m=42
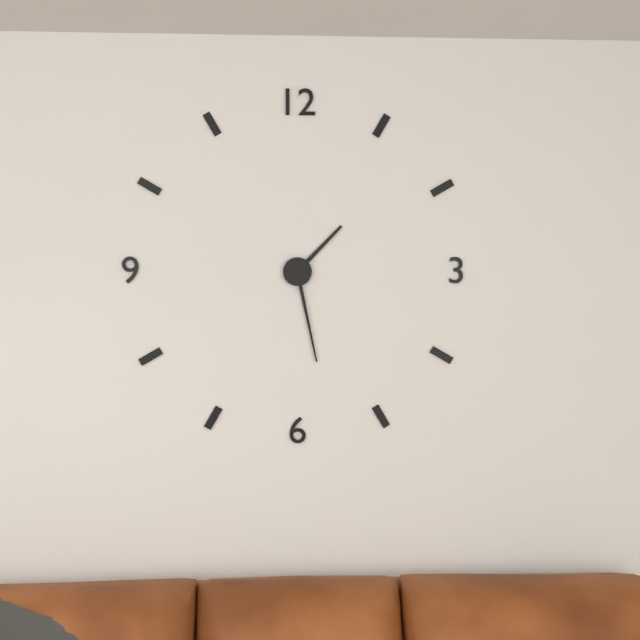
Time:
h=1 m=28
